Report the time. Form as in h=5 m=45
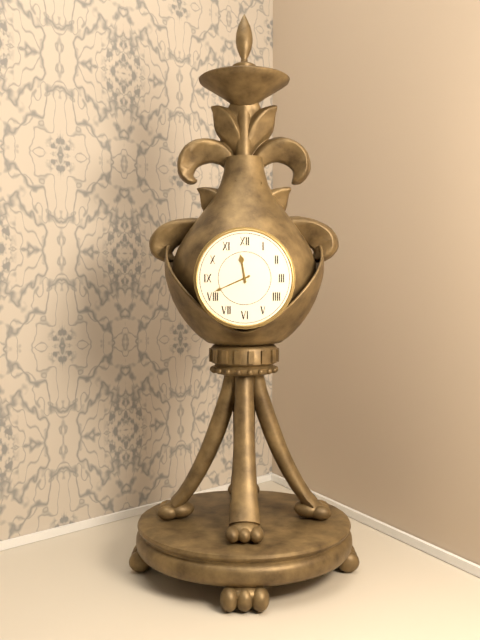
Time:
h=11 m=41
